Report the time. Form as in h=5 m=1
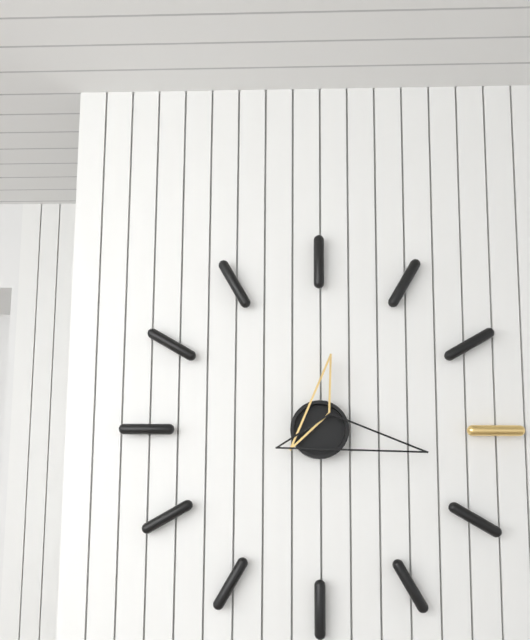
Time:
h=12 m=17
